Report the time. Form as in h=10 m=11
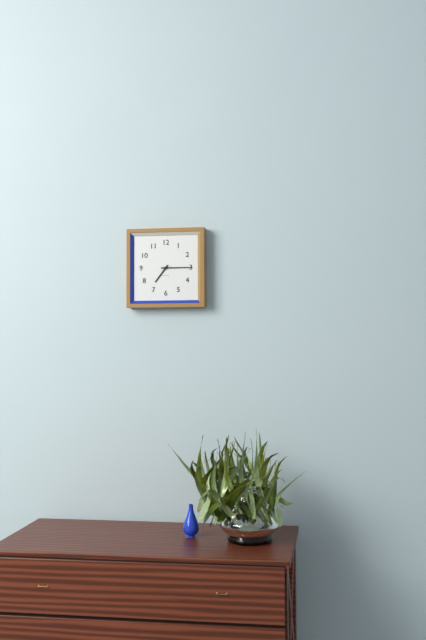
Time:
h=7 m=15
